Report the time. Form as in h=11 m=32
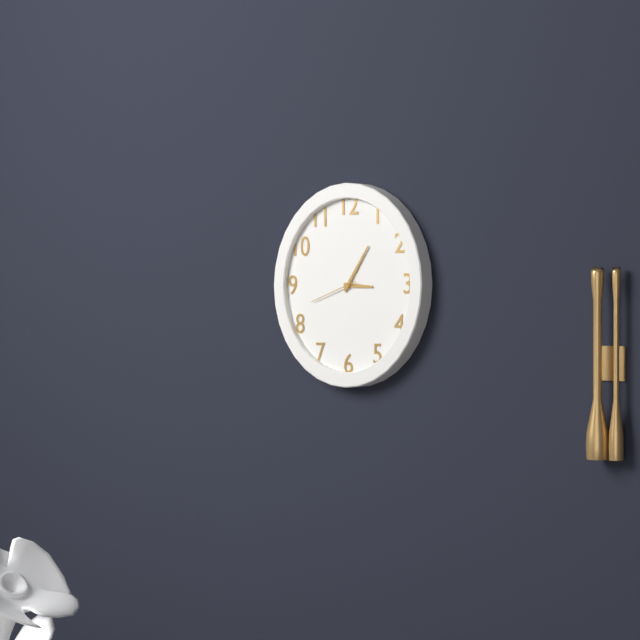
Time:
h=3 m=6
